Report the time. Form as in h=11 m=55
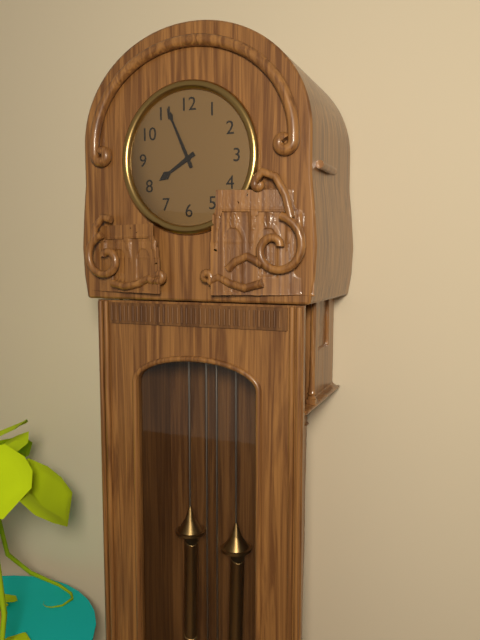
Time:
h=7 m=56
